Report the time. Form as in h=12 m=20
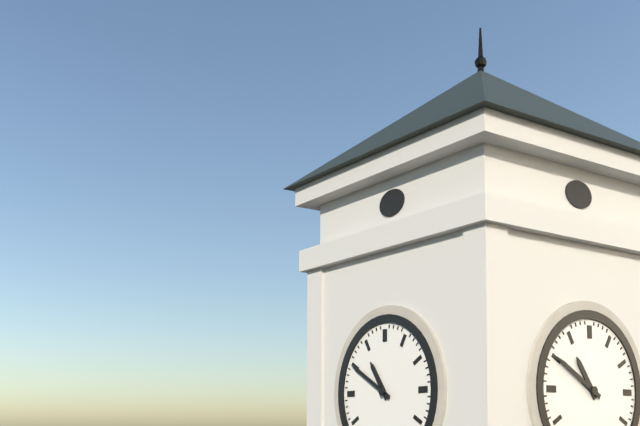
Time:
h=10 m=50
